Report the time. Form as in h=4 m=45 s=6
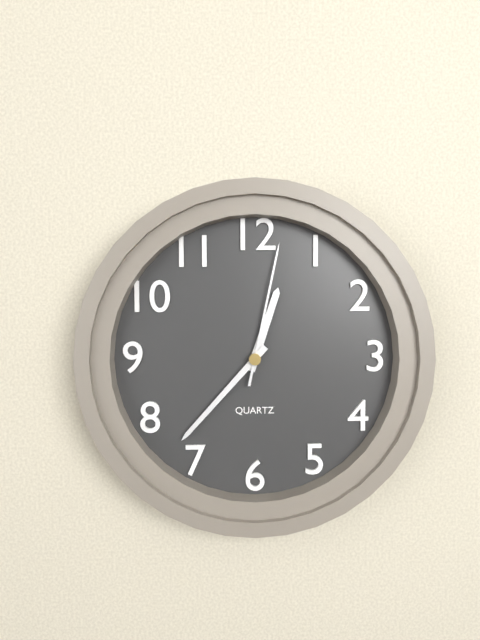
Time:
h=12 m=37 s=2
